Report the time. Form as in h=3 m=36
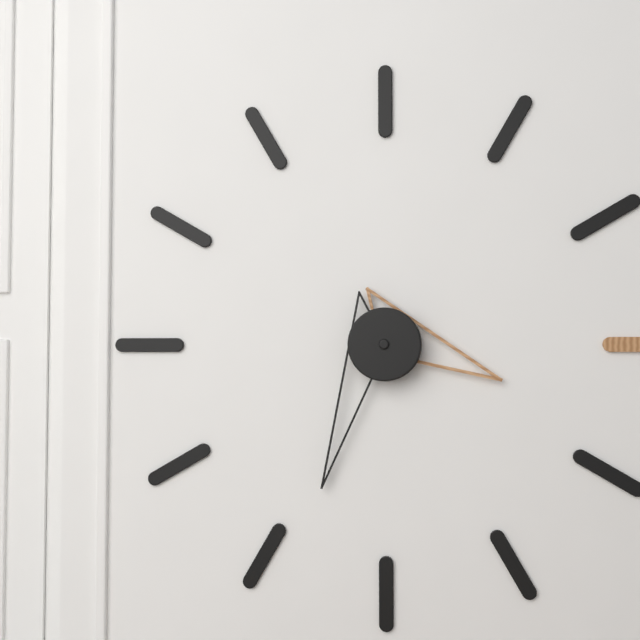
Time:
h=3 m=34
